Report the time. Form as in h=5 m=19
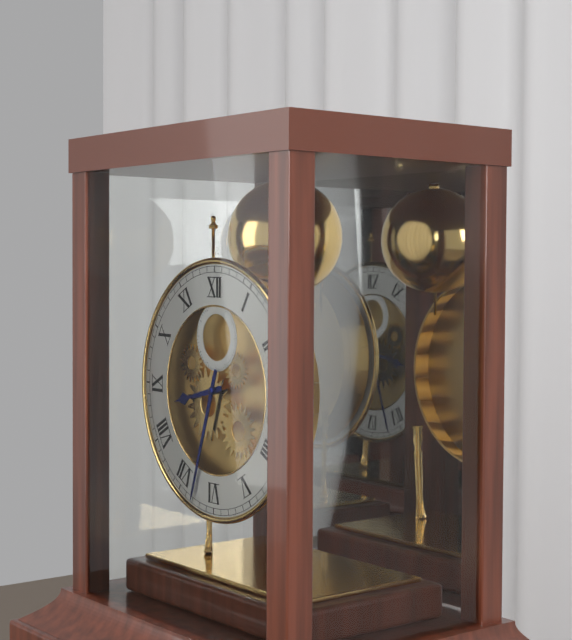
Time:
h=8 m=33
